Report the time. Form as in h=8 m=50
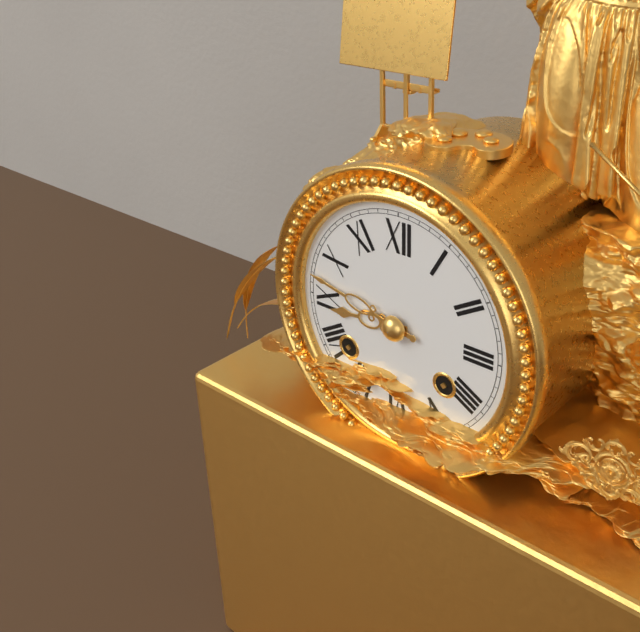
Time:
h=8 m=47
